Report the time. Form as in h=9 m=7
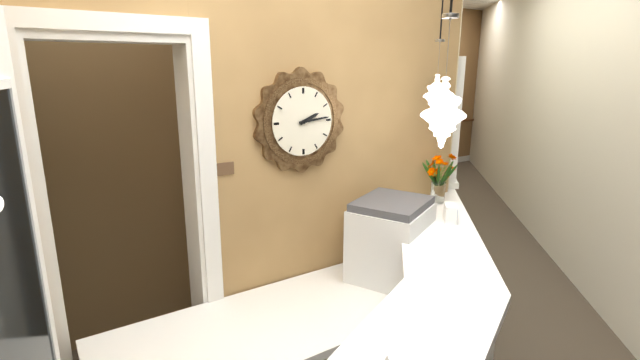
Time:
h=2 m=14
